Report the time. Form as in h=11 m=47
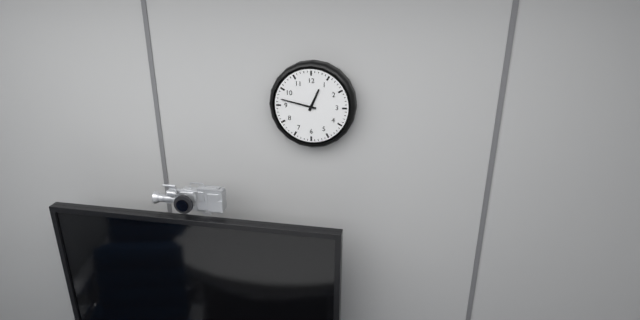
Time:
h=12 m=47
